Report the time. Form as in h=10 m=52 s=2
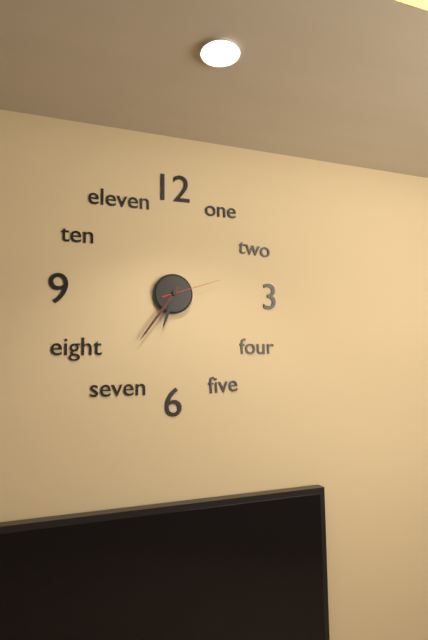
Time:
h=6 m=36 s=12
